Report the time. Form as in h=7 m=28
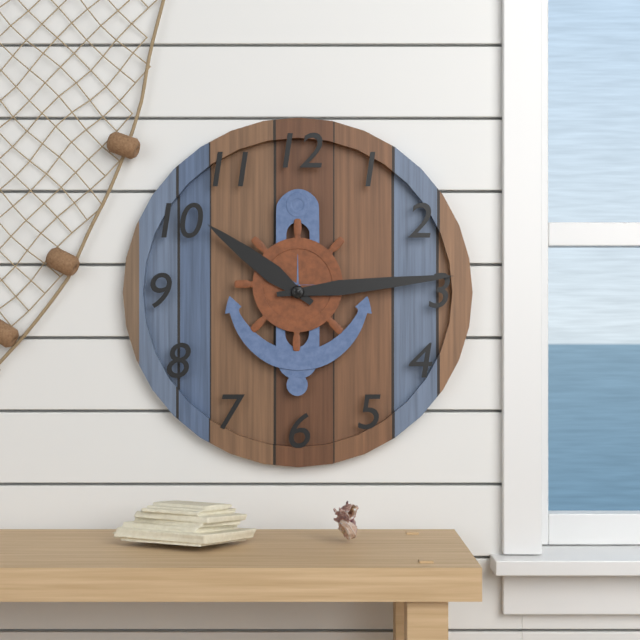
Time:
h=10 m=14
